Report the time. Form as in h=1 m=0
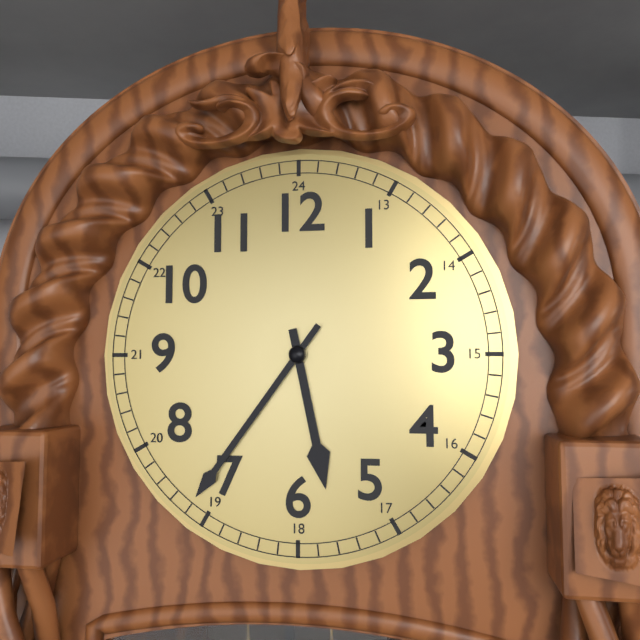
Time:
h=5 m=36
